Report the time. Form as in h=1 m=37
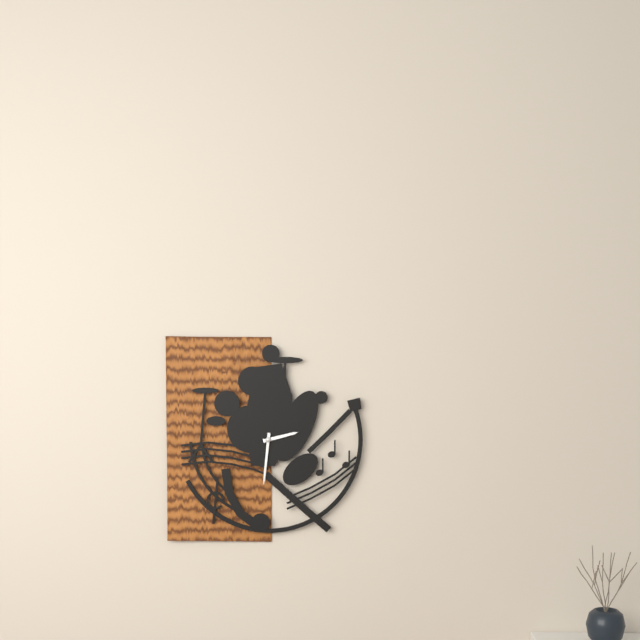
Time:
h=2 m=31
